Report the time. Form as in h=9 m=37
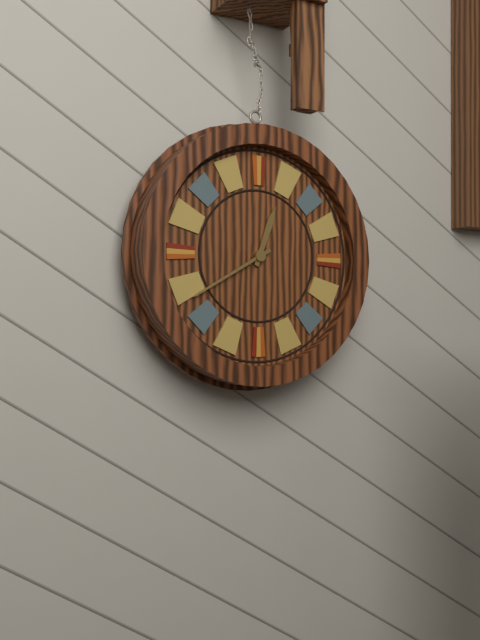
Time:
h=12 m=40
